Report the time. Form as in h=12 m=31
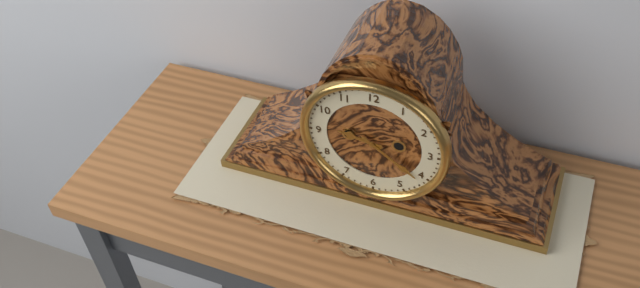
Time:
h=9 m=21
